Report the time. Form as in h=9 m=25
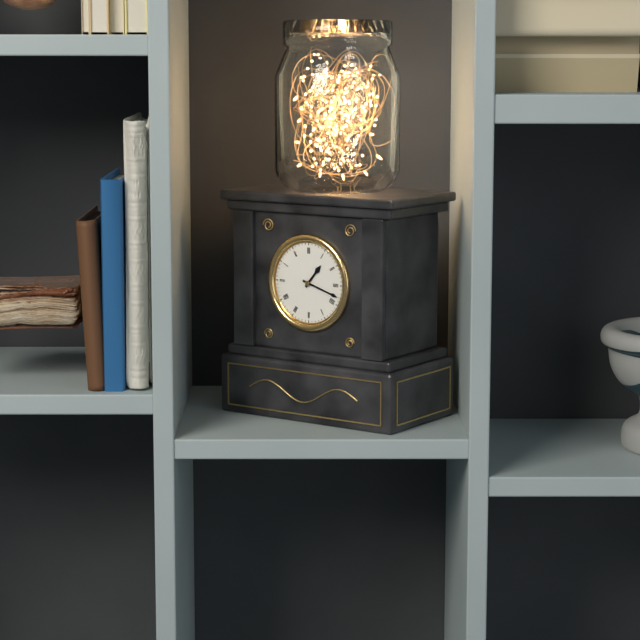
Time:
h=1 m=18
